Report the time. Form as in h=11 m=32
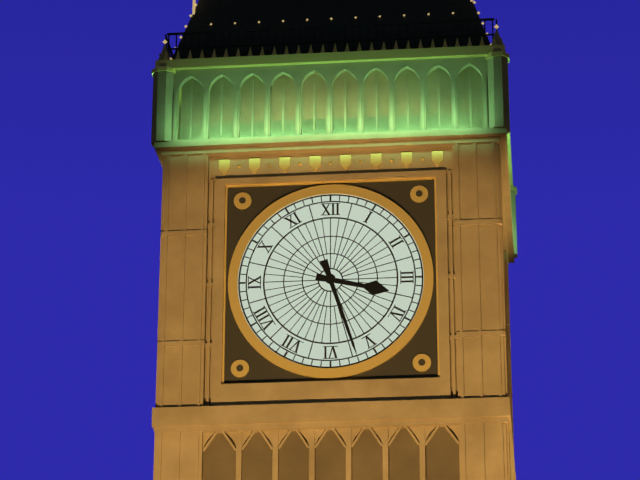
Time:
h=3 m=27
